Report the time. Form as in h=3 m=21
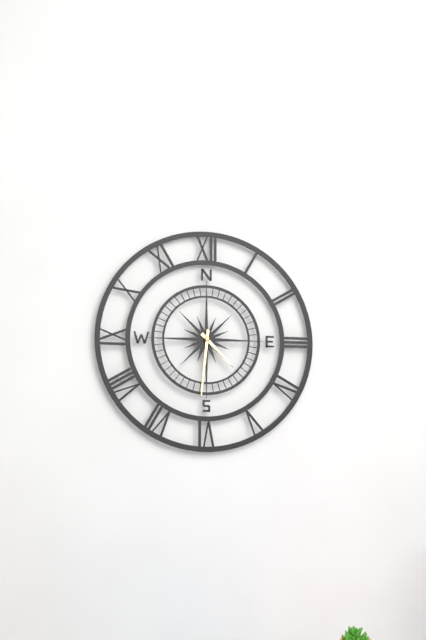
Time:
h=4 m=31
